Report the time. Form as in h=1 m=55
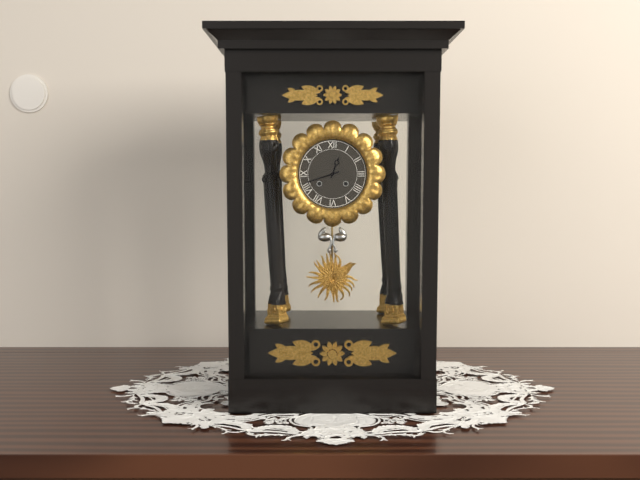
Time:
h=12 m=42
